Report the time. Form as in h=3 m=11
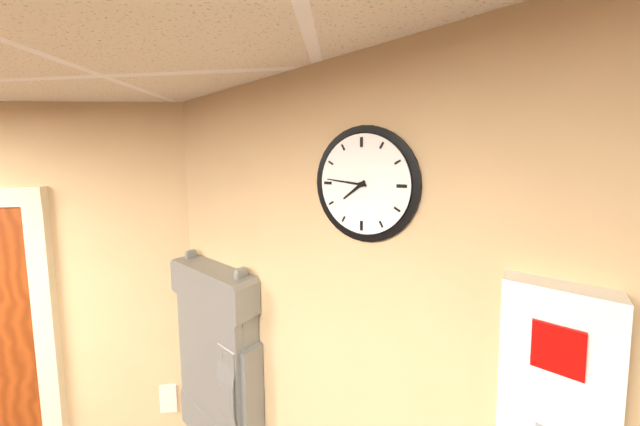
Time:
h=7 m=46
